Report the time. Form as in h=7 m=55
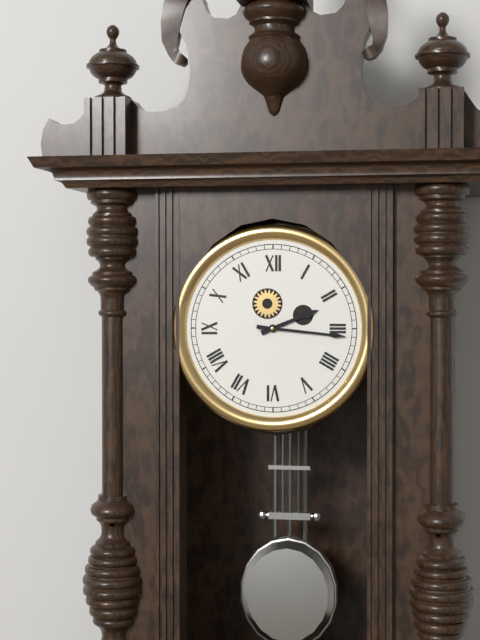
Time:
h=2 m=16
